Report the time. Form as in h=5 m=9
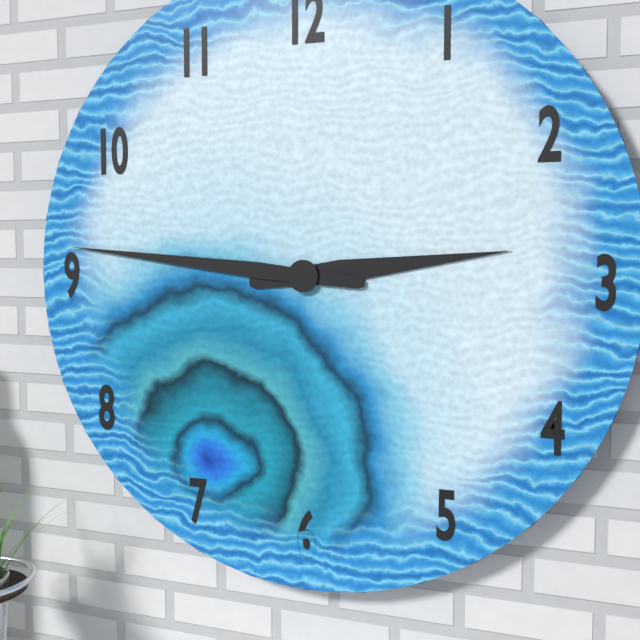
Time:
h=2 m=46
